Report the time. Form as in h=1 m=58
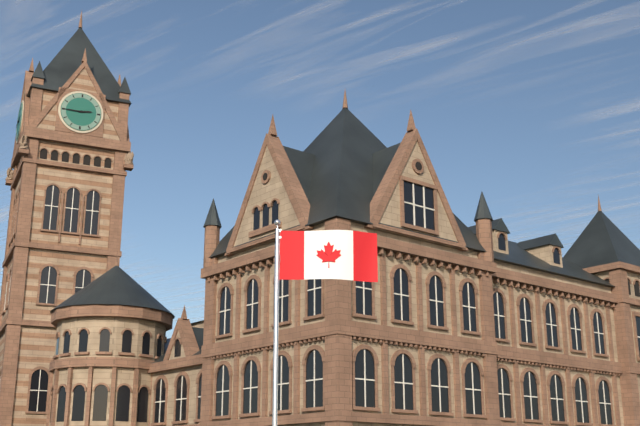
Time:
h=2 m=45
